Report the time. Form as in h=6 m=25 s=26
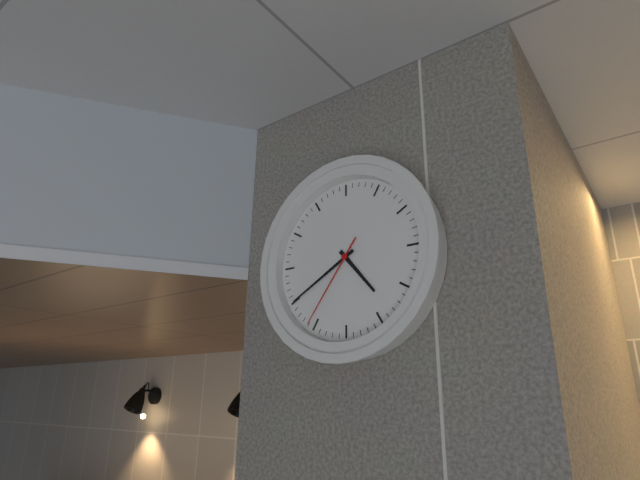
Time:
h=4 m=40 s=36
